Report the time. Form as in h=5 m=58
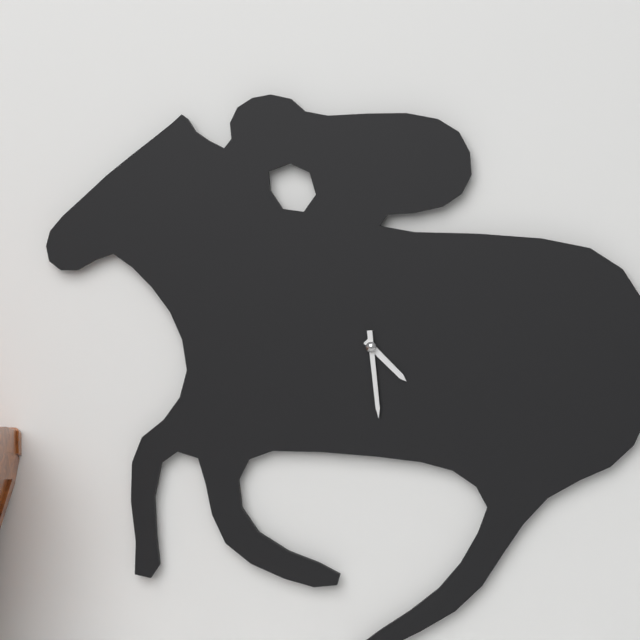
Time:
h=4 m=29
